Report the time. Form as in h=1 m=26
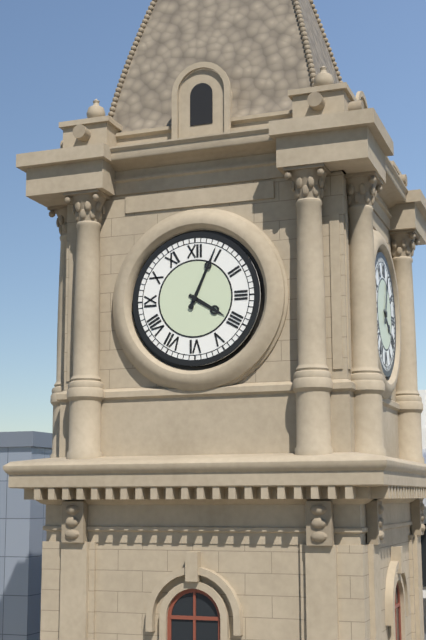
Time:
h=4 m=4
